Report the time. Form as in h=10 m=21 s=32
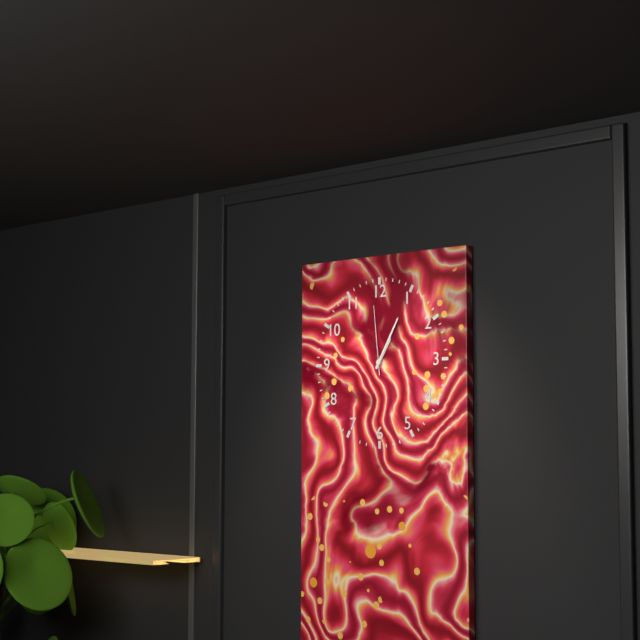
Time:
h=1 m=5 s=59
